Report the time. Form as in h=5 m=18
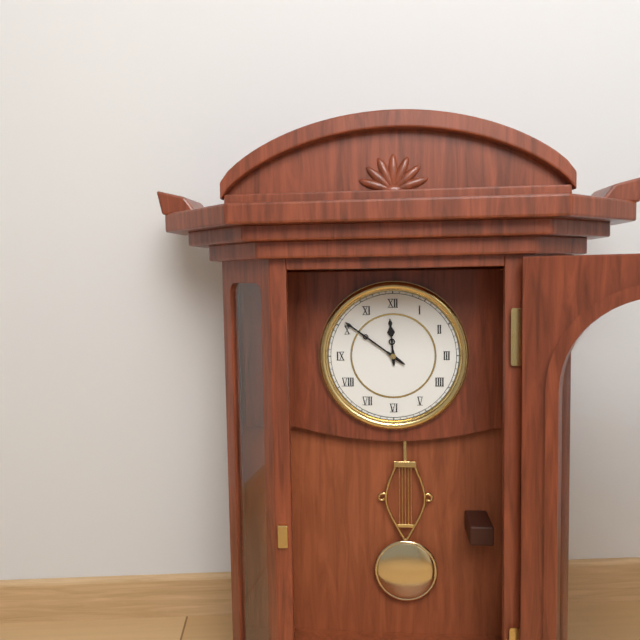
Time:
h=11 m=51
